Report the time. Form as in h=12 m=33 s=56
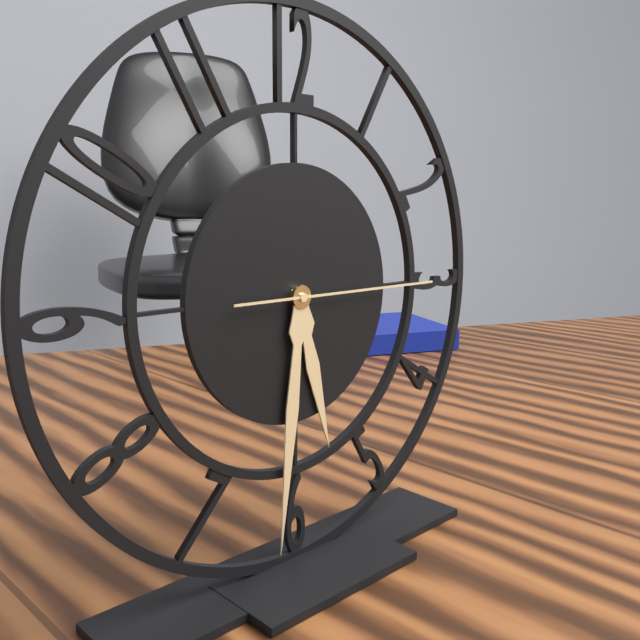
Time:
h=5 m=31 s=15
